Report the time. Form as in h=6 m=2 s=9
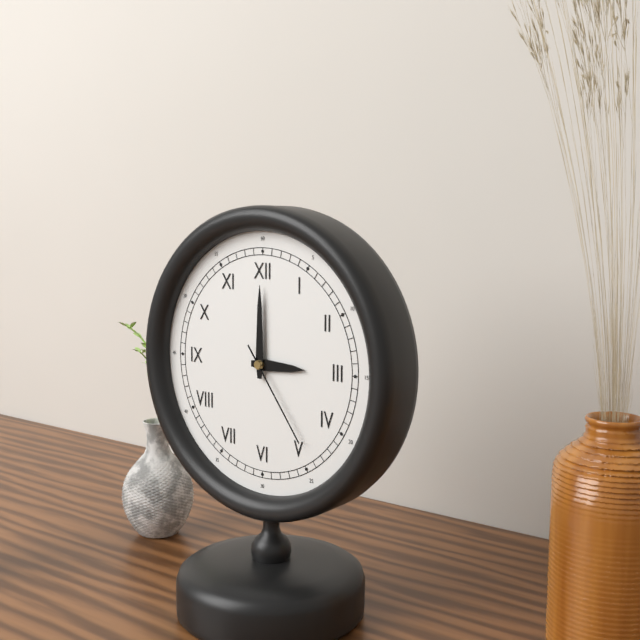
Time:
h=3 m=0 s=24
